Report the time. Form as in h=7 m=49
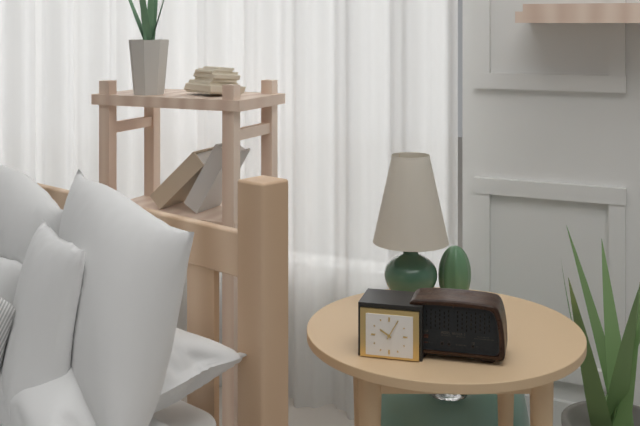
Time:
h=10 m=5
